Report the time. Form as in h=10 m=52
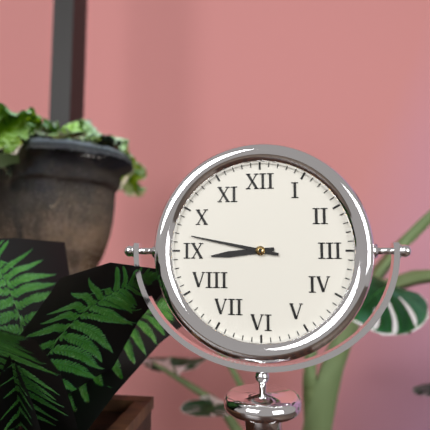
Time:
h=8 m=47
